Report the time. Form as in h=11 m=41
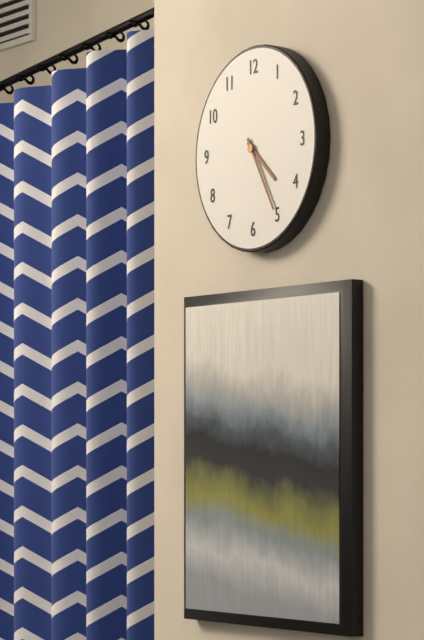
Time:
h=4 m=25
